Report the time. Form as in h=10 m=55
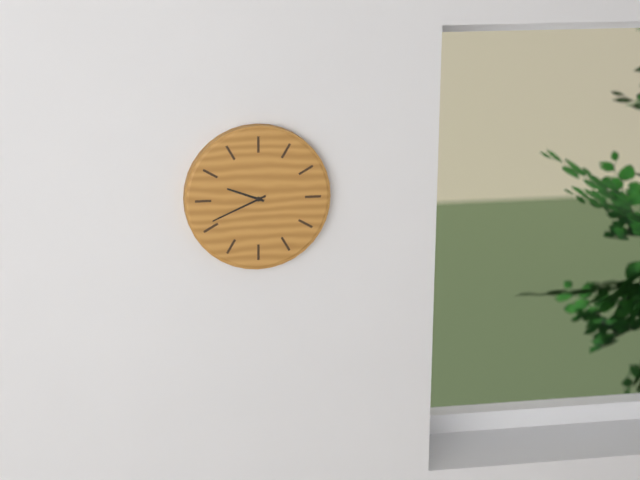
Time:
h=9 m=41
